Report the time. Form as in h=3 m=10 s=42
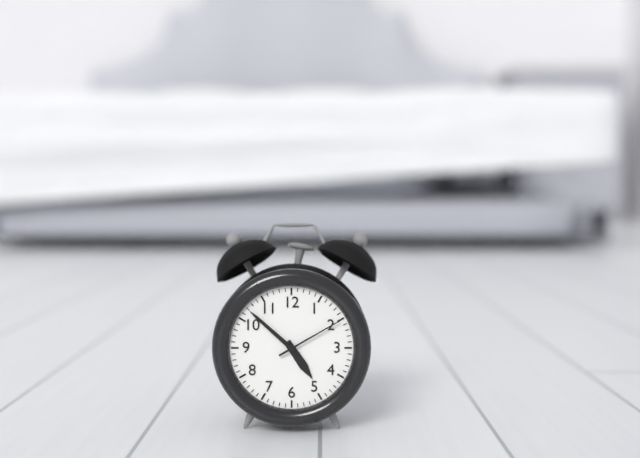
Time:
h=4 m=52 s=10
